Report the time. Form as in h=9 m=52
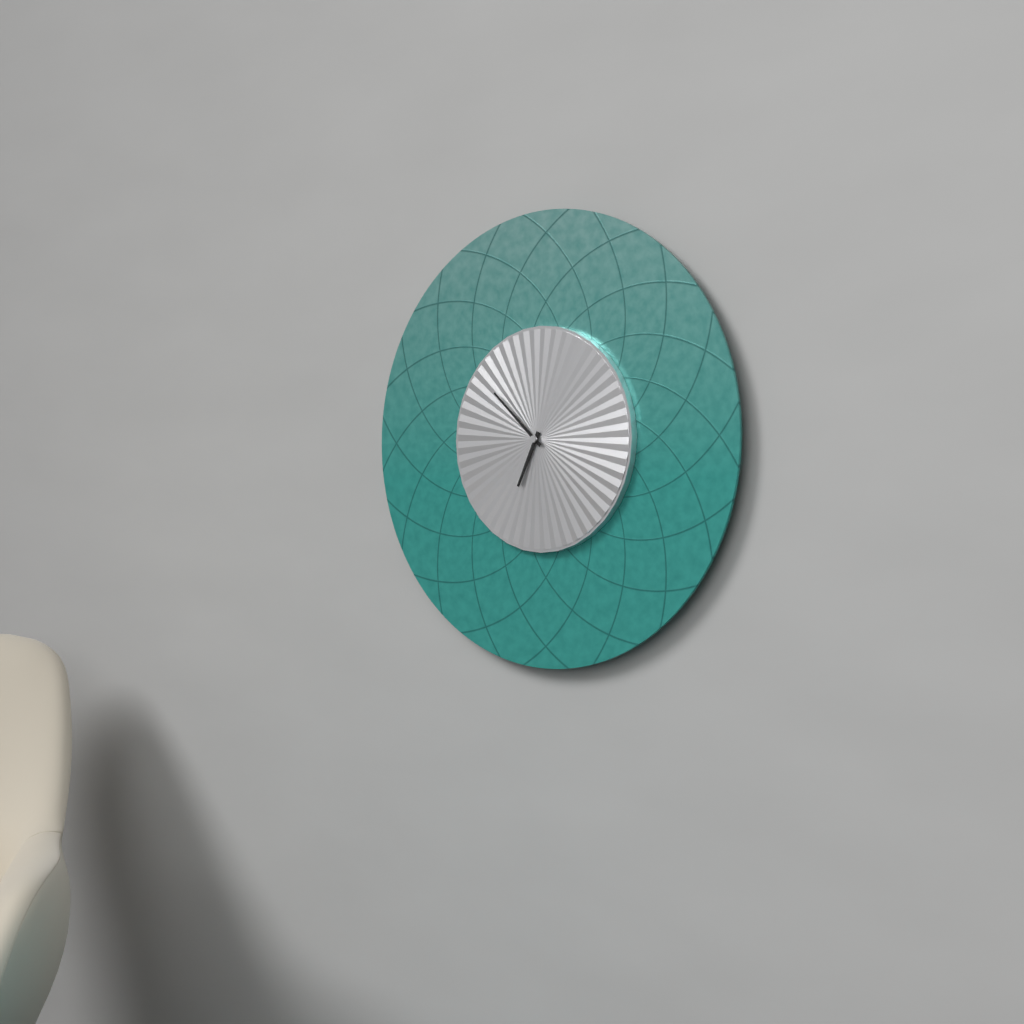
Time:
h=6 m=52
